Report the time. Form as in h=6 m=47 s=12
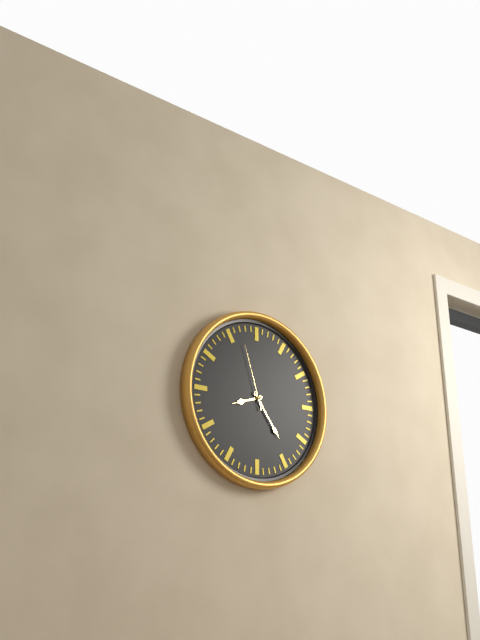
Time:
h=8 m=24 s=57
